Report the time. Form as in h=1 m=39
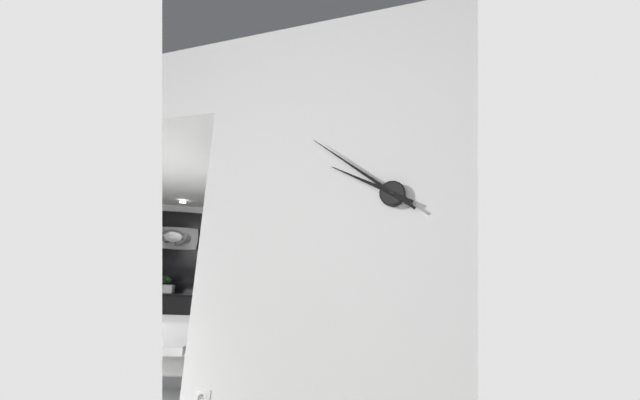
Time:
h=9 m=51
